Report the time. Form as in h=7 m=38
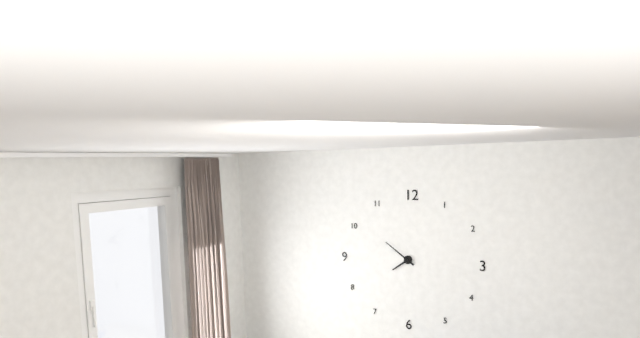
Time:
h=7 m=51
